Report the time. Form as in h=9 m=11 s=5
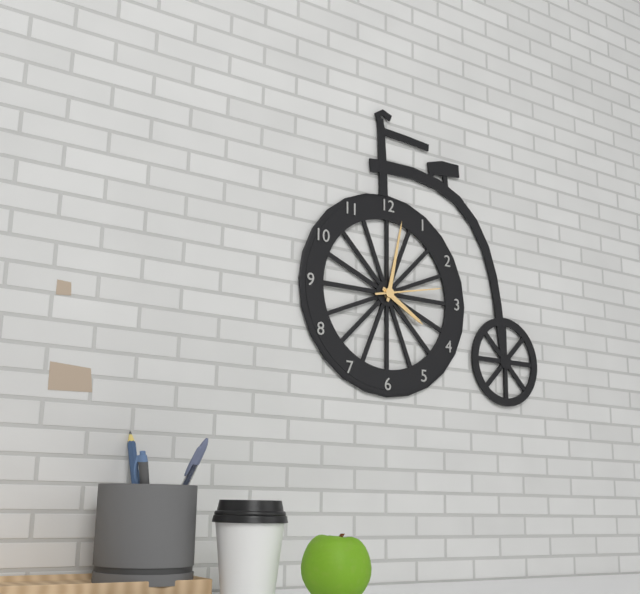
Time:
h=4 m=2 s=13
